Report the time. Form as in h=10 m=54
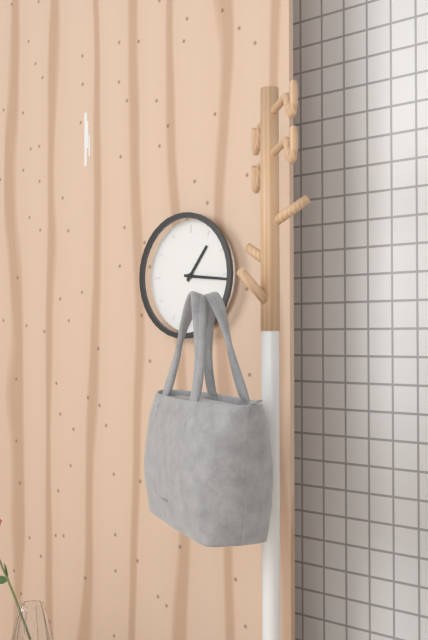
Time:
h=1 m=16
